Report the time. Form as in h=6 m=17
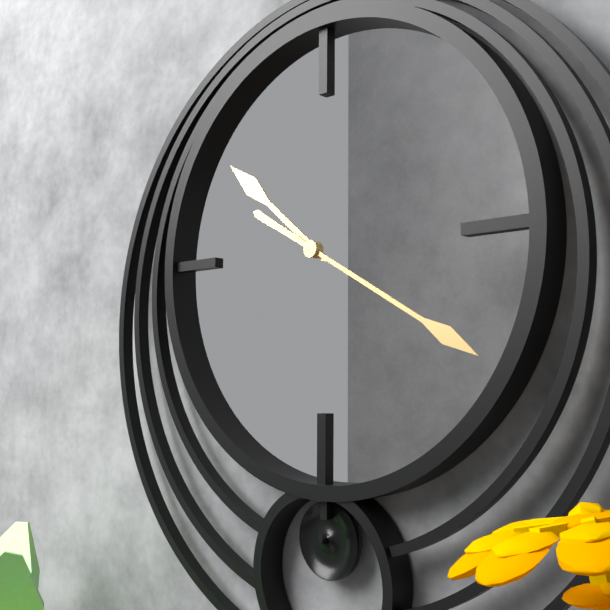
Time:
h=10 m=20
